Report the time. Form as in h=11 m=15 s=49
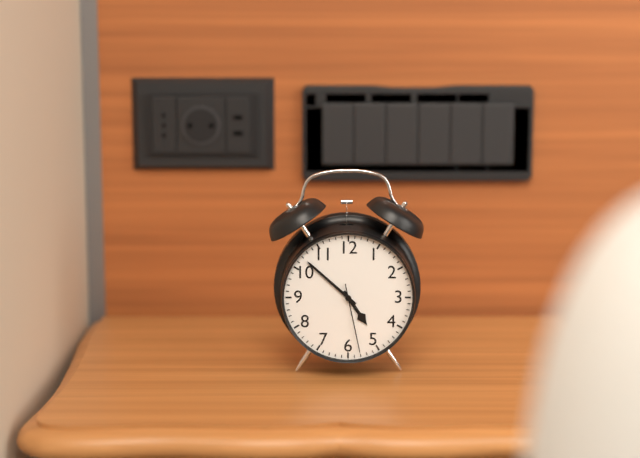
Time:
h=4 m=52 s=28
